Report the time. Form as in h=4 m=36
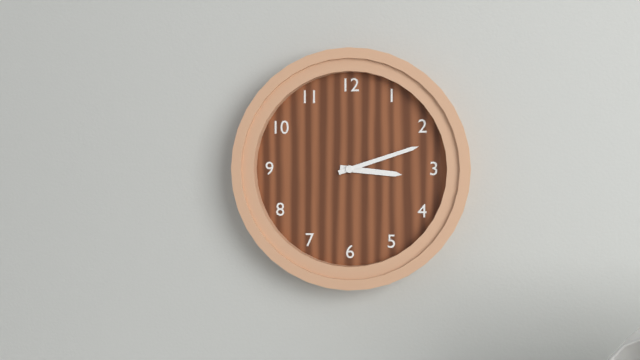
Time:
h=3 m=12
